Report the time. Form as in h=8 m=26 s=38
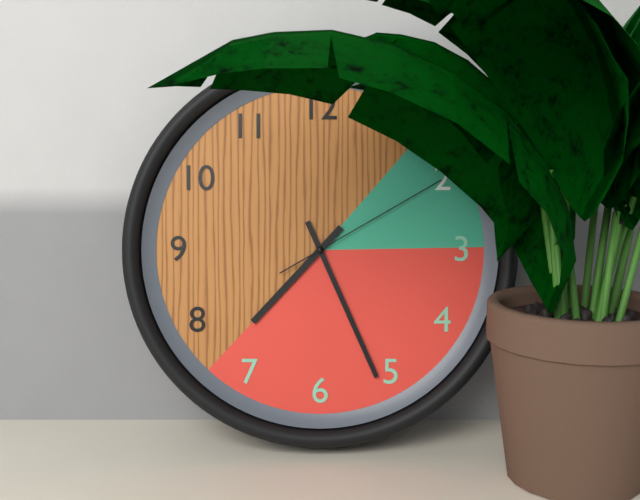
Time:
h=7 m=26 s=10
